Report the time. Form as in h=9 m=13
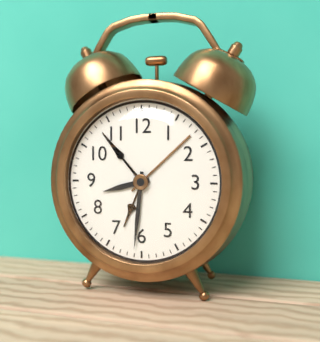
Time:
h=8 m=31
